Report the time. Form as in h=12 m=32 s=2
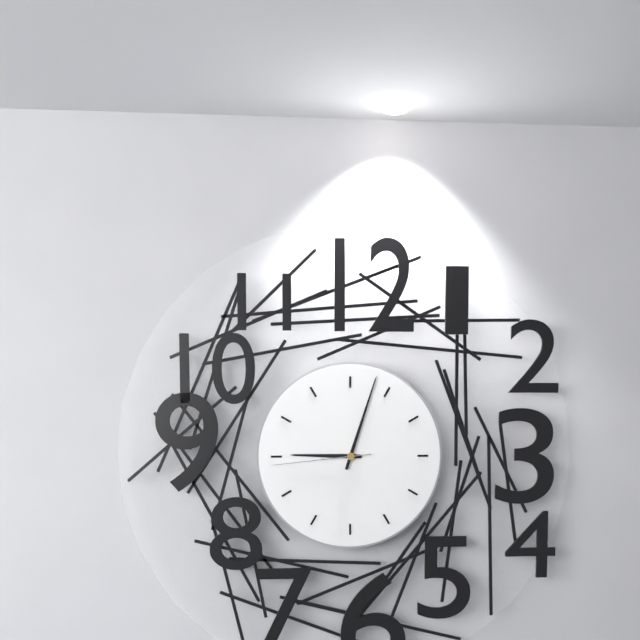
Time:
h=9 m=3 s=44
